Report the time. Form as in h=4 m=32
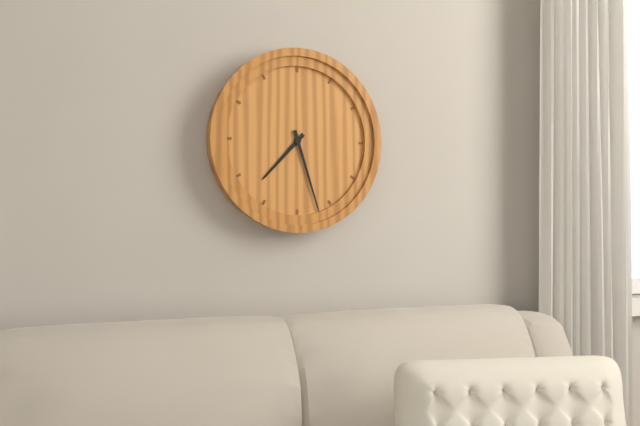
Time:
h=7 m=27
